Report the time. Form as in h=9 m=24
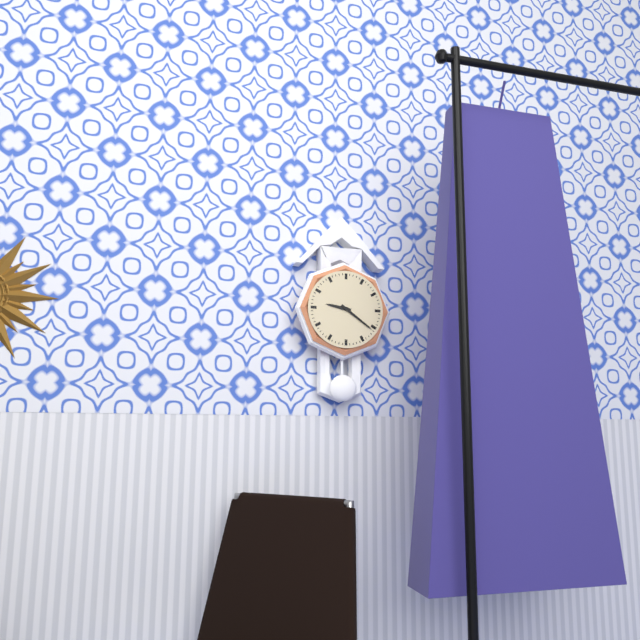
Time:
h=9 m=21
